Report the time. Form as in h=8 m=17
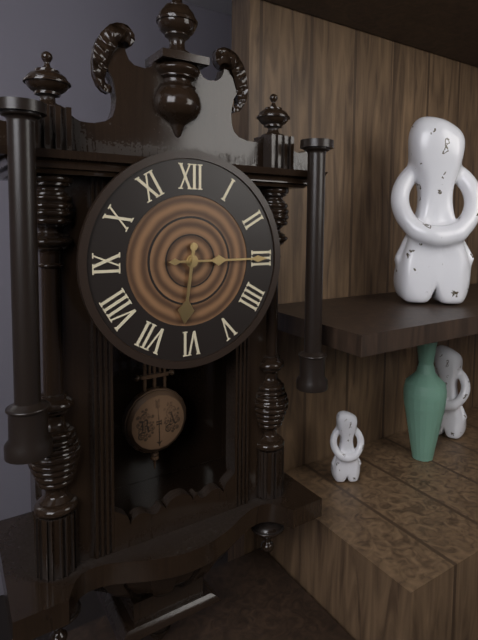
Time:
h=6 m=15
